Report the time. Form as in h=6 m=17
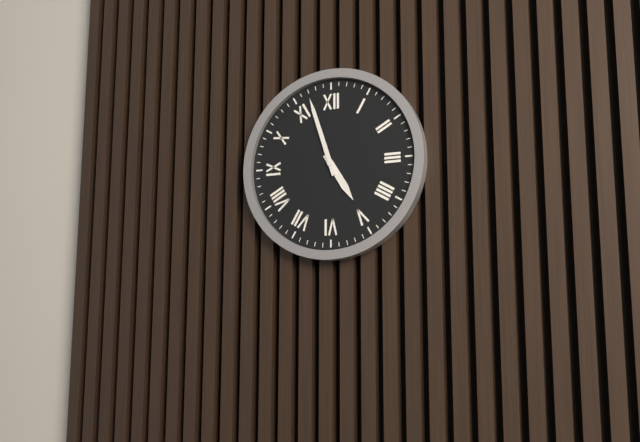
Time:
h=4 m=57
